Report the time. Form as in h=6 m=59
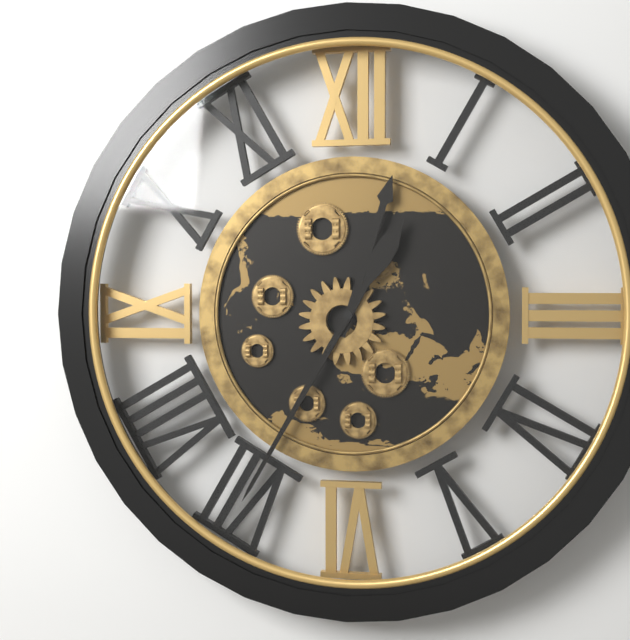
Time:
h=12 m=35
